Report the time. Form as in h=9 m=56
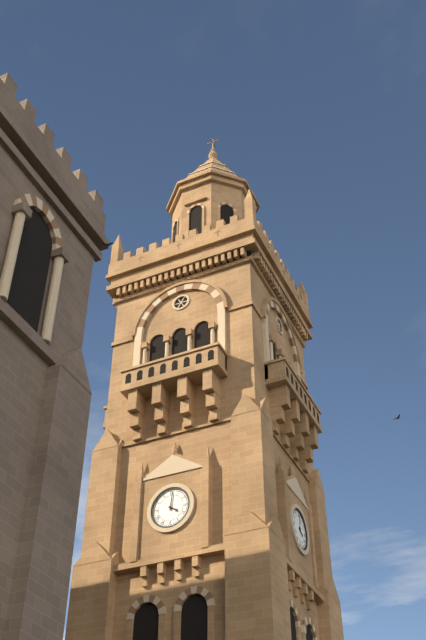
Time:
h=4 m=1
